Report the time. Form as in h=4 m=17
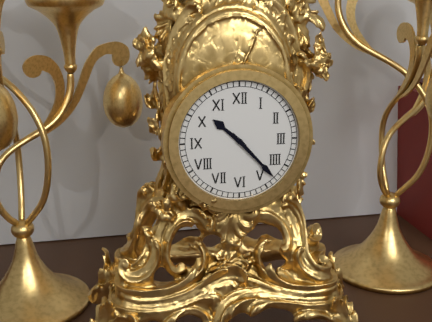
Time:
h=10 m=23
